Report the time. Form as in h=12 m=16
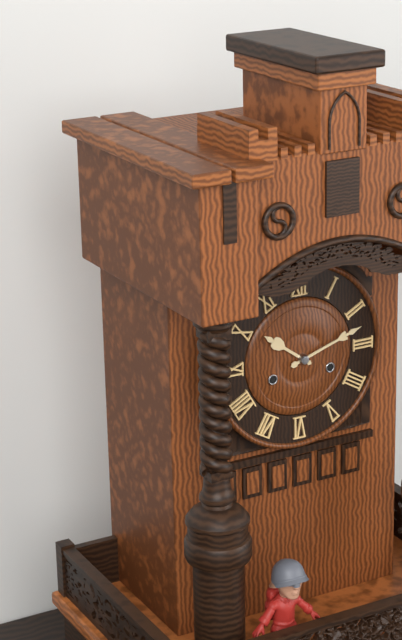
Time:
h=10 m=12
